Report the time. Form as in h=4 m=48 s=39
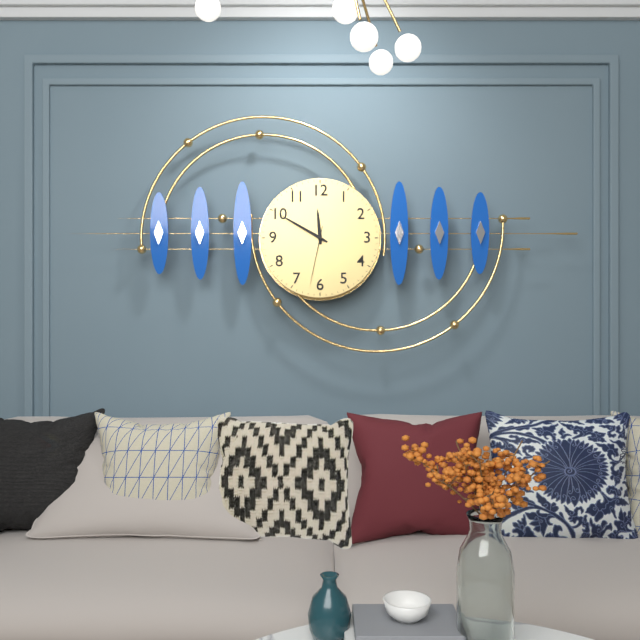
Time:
h=11 m=50 s=32
